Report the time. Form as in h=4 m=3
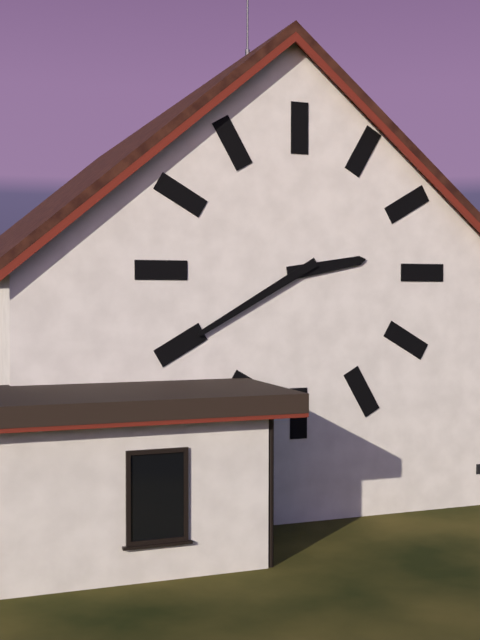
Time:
h=2 m=40
